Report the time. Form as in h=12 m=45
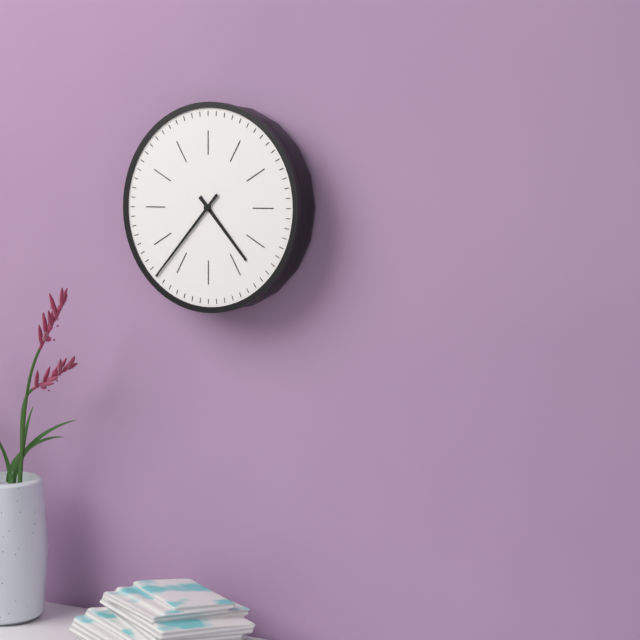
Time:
h=4 m=37
